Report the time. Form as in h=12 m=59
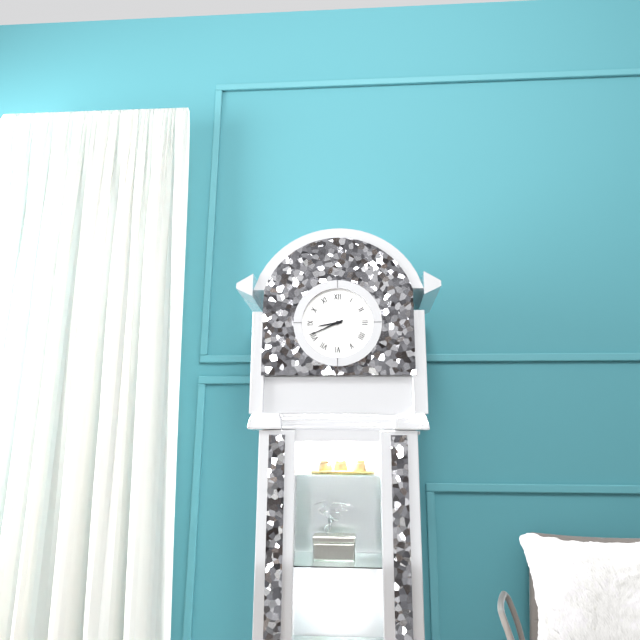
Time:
h=8 m=41
